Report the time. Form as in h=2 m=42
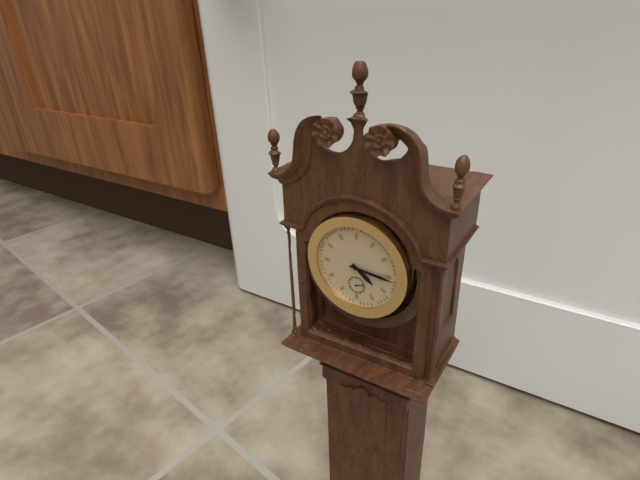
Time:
h=4 m=16
